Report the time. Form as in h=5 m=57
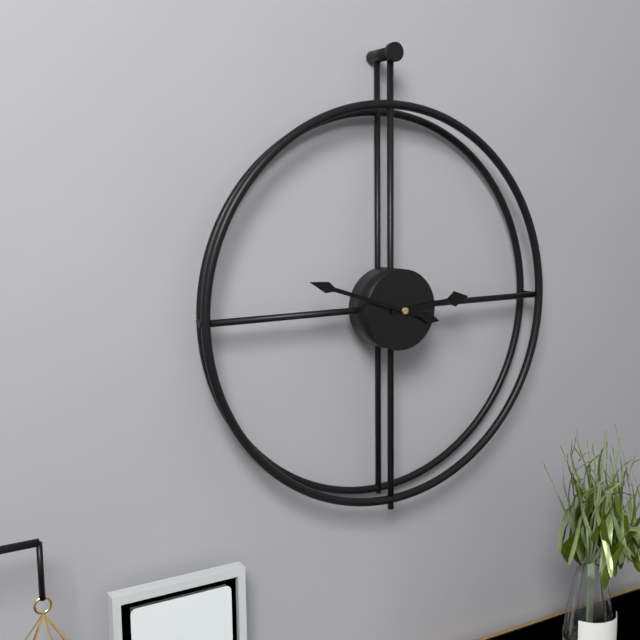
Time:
h=2 m=48
